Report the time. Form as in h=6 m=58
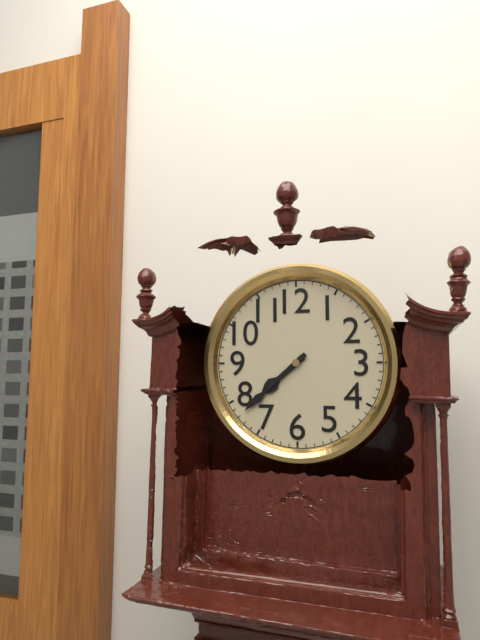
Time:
h=7 m=38
